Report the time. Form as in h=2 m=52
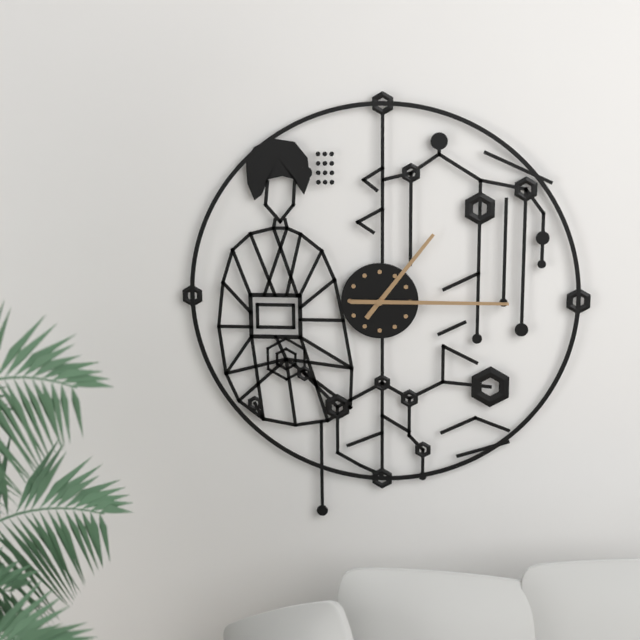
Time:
h=1 m=15
